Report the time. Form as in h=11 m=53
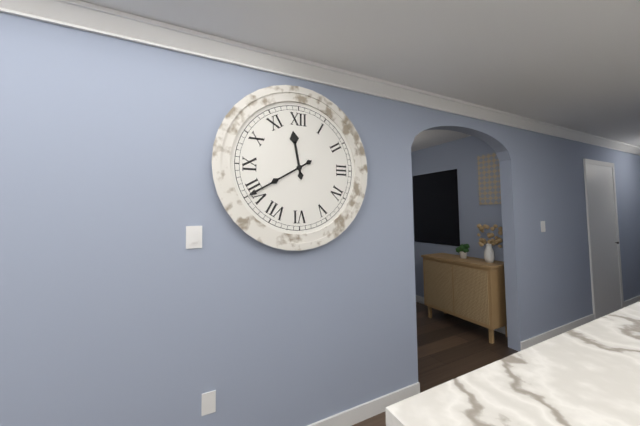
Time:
h=11 m=40
